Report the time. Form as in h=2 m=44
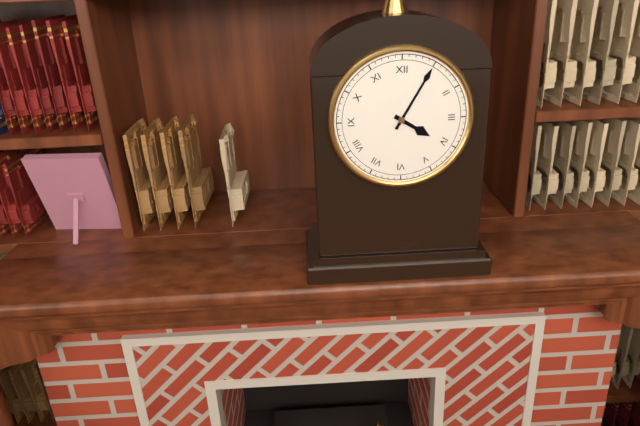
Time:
h=4 m=5
